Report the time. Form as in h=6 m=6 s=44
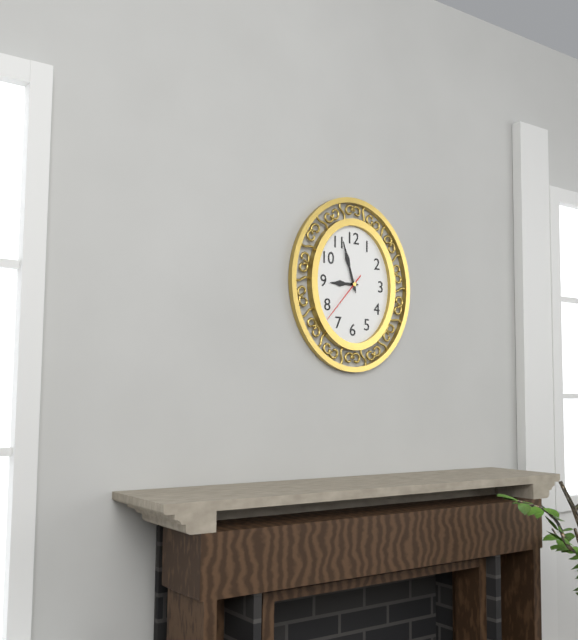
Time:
h=8 m=57 s=37
